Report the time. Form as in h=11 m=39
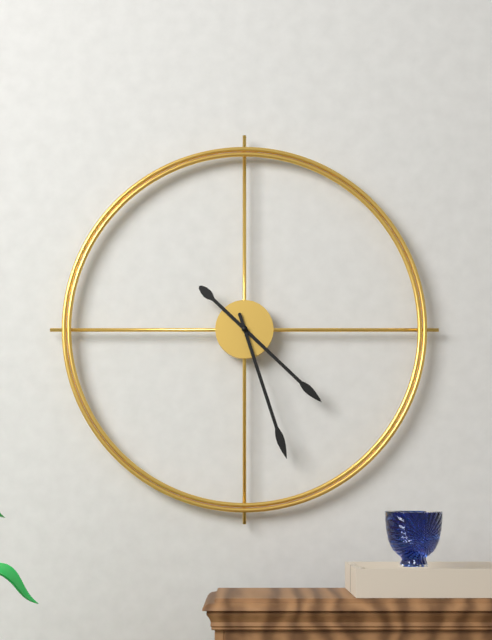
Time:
h=4 m=27
